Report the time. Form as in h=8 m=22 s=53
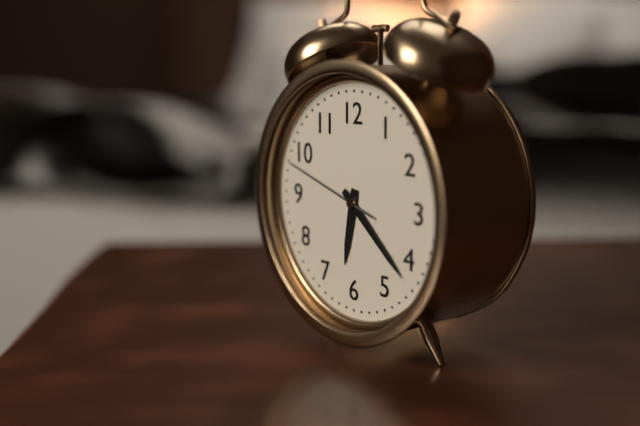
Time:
h=6 m=22 s=48
